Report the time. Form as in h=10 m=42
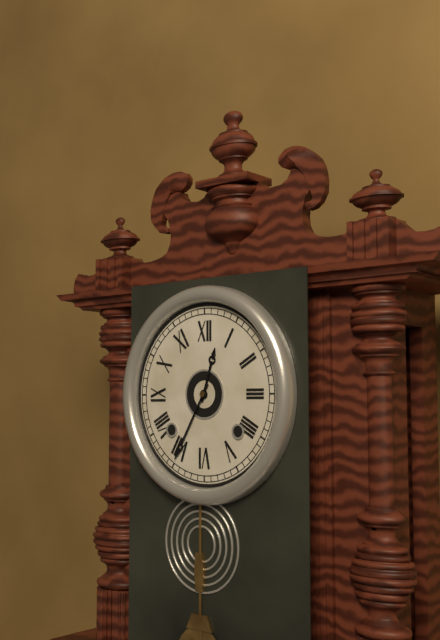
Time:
h=12 m=35
